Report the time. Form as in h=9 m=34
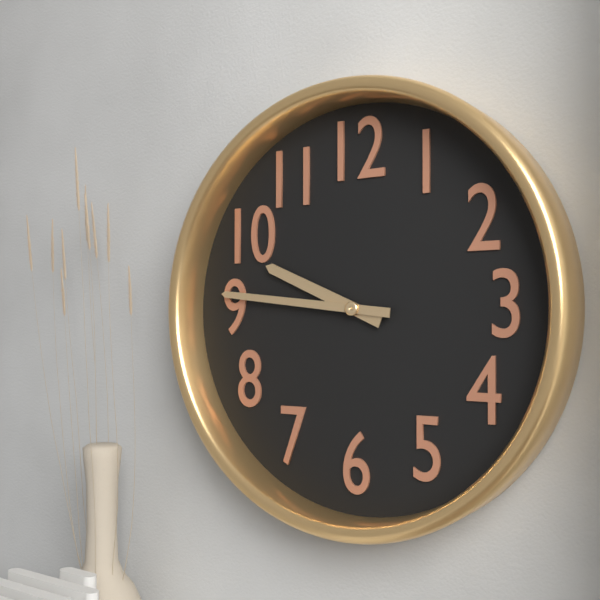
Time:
h=9 m=46
